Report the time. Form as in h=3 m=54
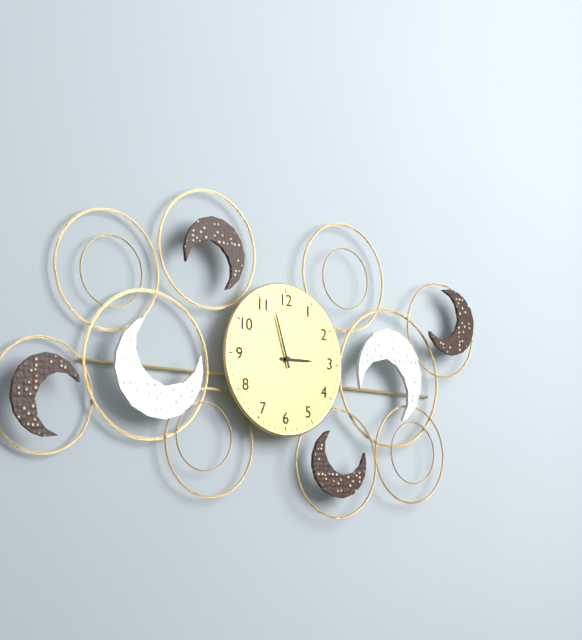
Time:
h=2 m=57
